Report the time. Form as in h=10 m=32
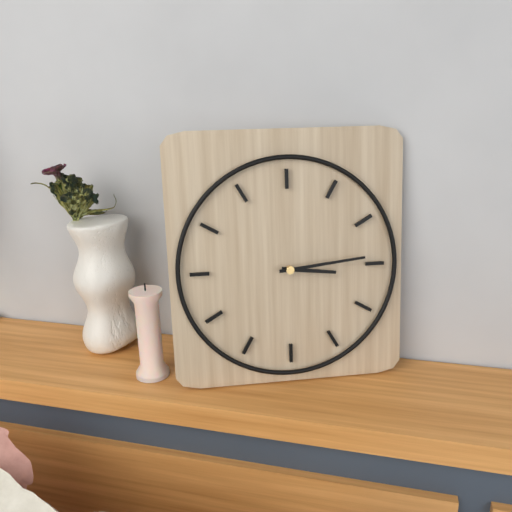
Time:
h=3 m=14
